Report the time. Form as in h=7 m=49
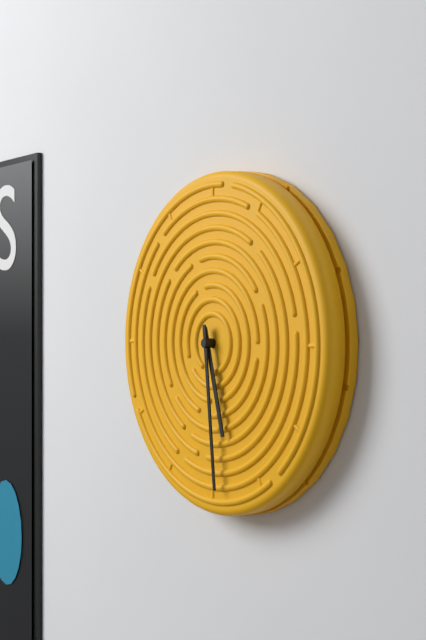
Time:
h=5 m=29
